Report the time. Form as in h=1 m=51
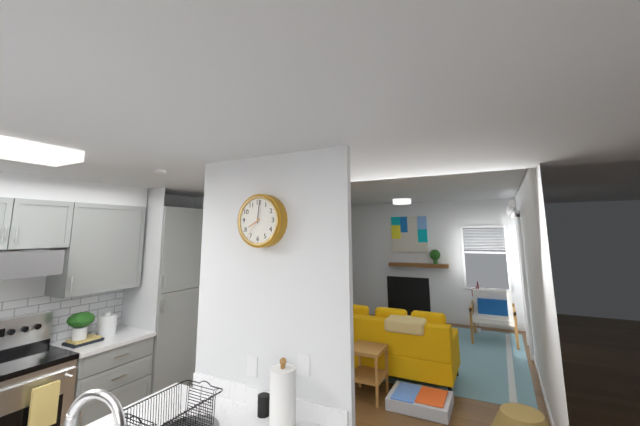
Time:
h=8 m=1
